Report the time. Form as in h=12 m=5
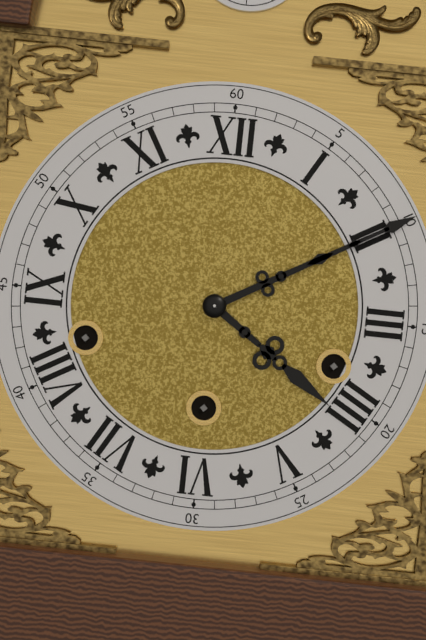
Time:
h=4 m=10
